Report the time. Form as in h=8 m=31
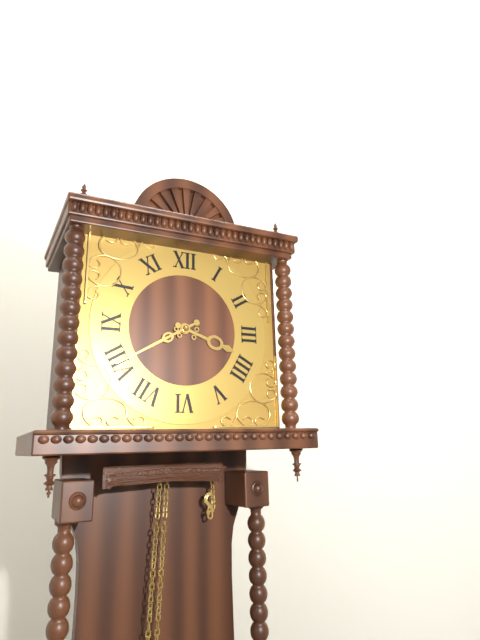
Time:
h=3 m=40
